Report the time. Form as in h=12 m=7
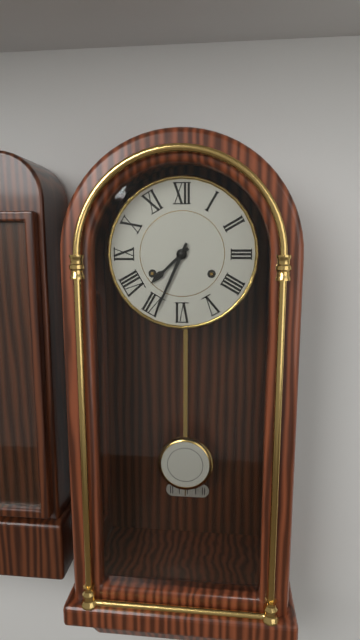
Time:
h=7 m=34
